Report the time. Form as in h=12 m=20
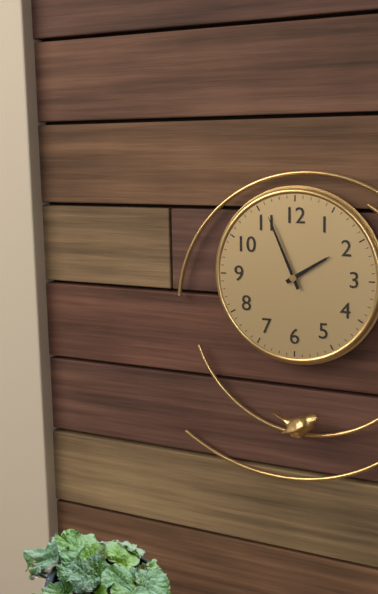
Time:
h=1 m=56
